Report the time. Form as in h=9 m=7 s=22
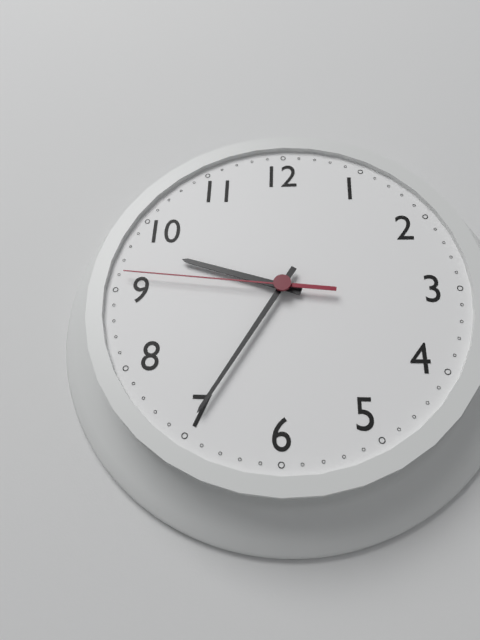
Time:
h=9 m=35 s=46
